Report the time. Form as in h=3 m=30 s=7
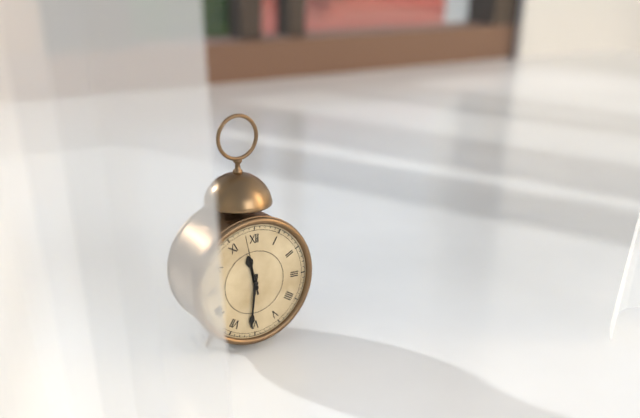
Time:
h=11 m=31 s=58
